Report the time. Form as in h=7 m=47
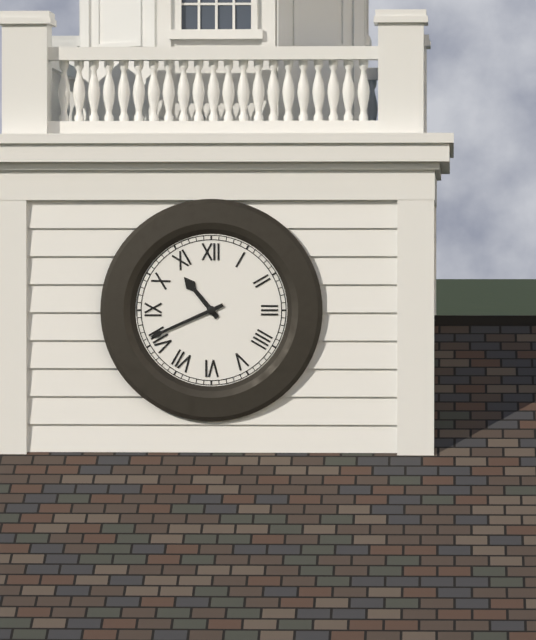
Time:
h=10 m=41
